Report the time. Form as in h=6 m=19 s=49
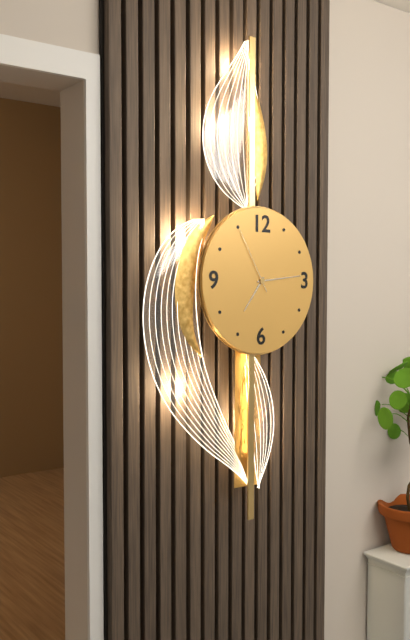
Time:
h=7 m=14 s=55
